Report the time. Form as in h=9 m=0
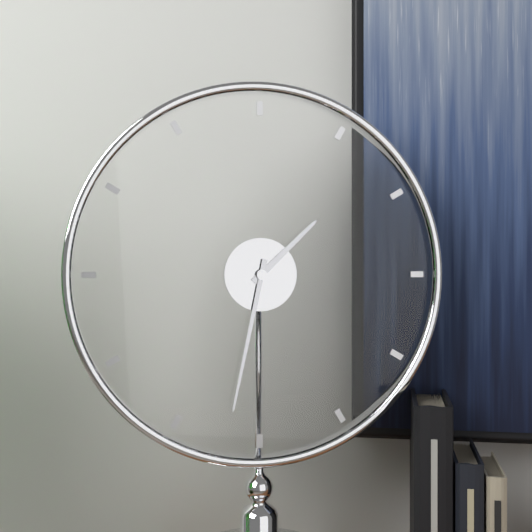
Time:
h=1 m=32
